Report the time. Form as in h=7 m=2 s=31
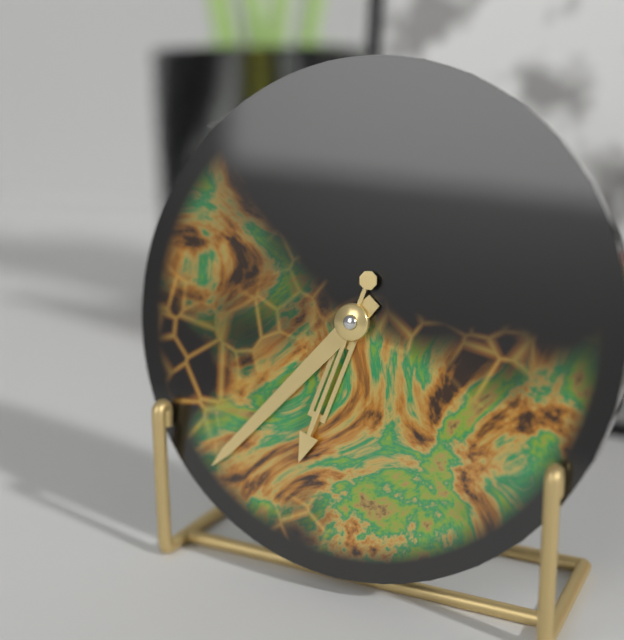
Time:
h=6 m=37 s=33
